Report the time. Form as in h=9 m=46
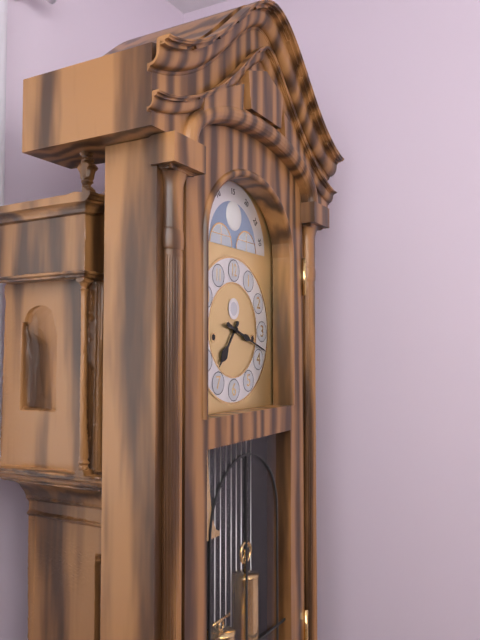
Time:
h=7 m=18
